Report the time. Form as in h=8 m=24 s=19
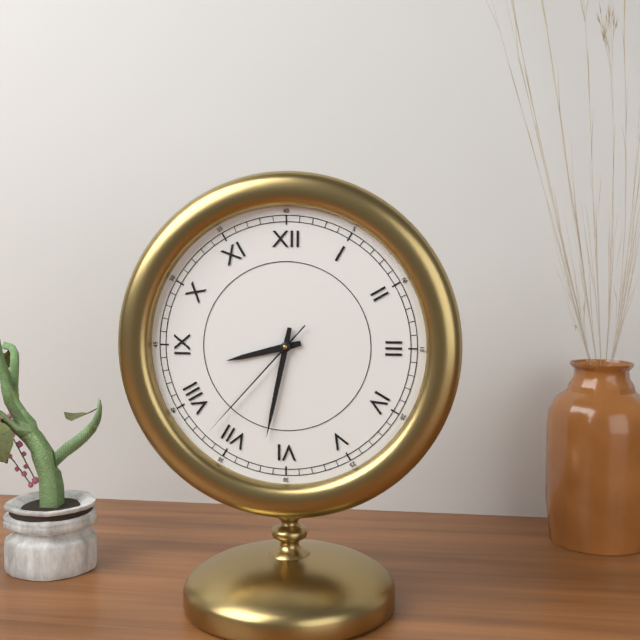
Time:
h=8 m=32 s=37
